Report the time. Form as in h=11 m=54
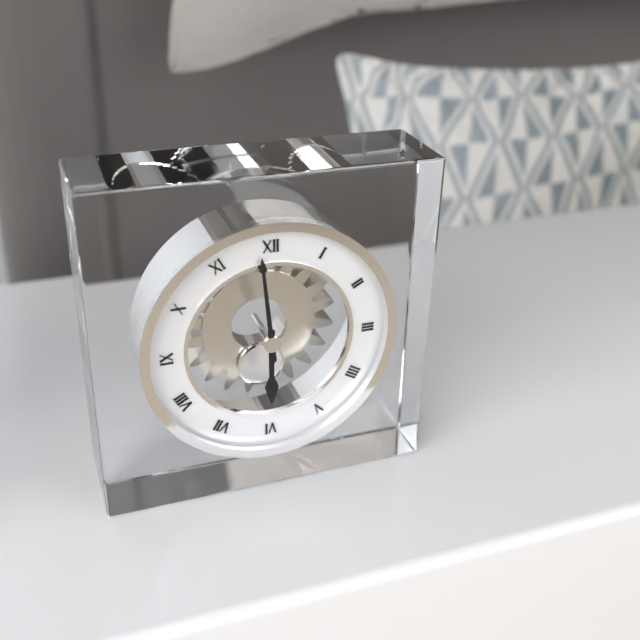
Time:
h=5 m=59
